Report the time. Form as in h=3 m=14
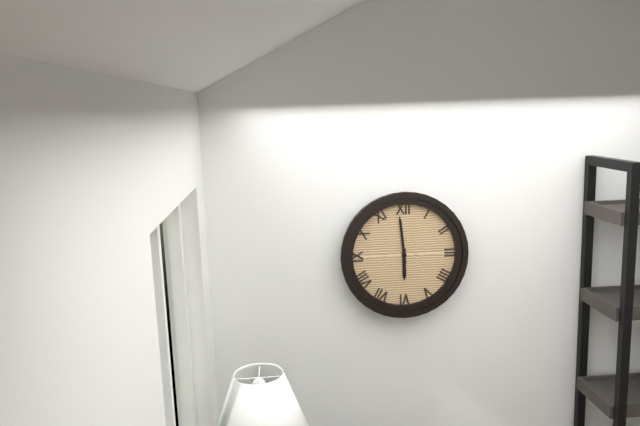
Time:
h=5 m=59
